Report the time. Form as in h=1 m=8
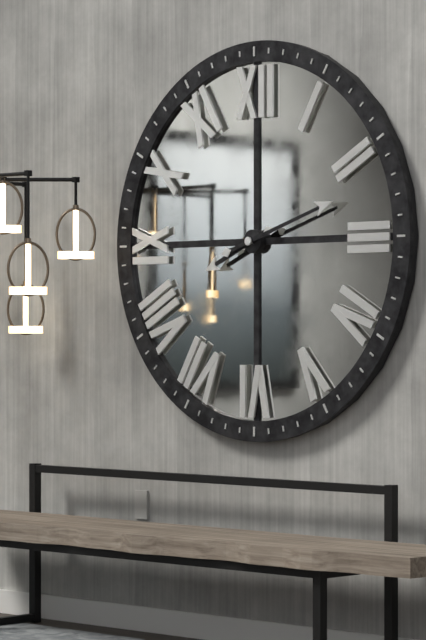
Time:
h=8 m=12
